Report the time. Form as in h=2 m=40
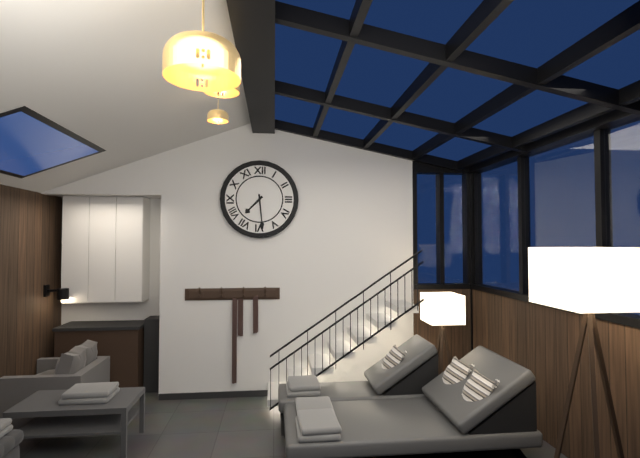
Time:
h=7 m=29
